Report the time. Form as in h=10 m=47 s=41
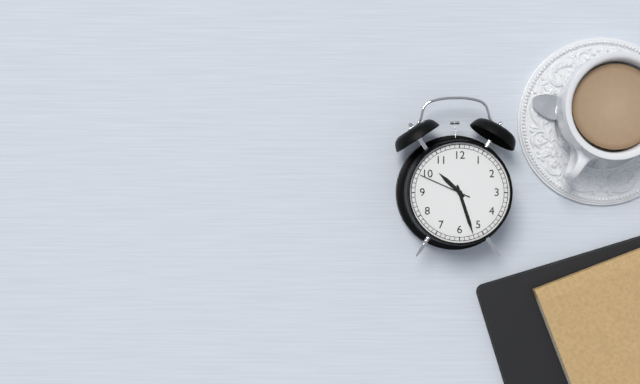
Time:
h=10 m=27 s=49
